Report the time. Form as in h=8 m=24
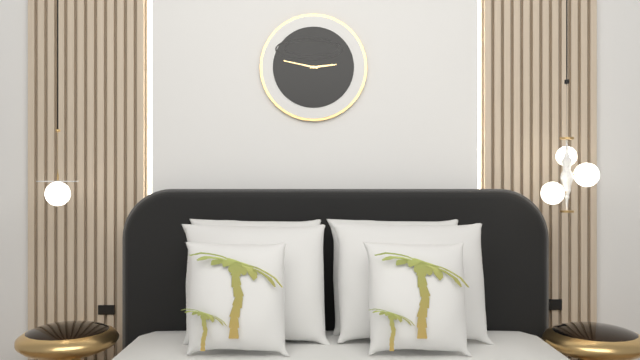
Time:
h=2 m=47
